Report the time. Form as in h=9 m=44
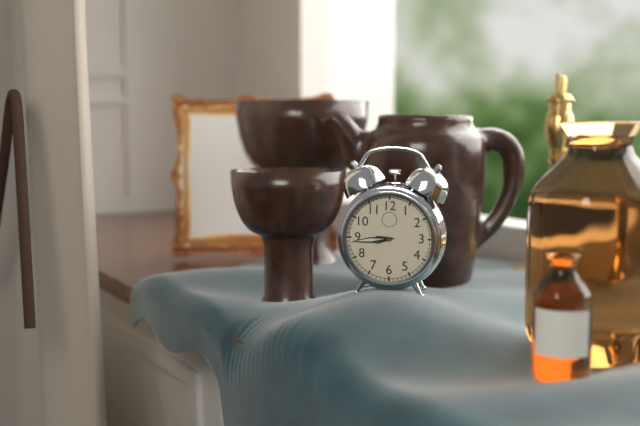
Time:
h=8 m=44
